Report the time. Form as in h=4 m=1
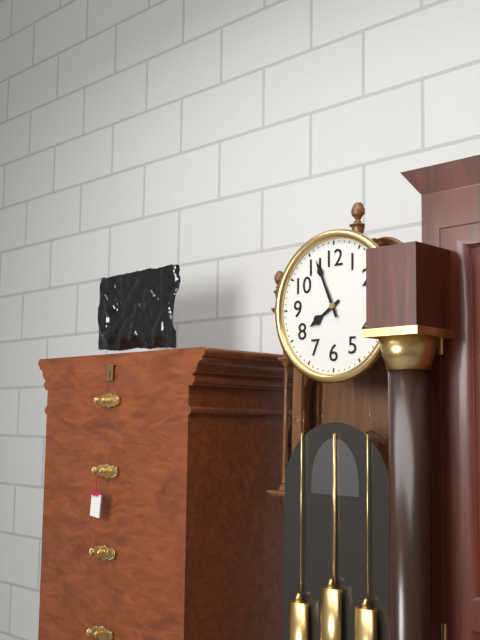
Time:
h=7 m=56
